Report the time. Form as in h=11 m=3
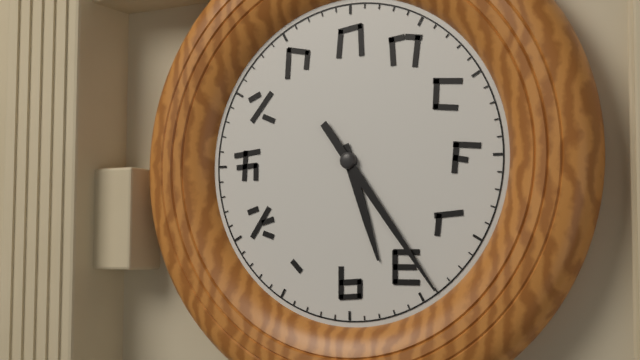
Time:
h=5 m=24
